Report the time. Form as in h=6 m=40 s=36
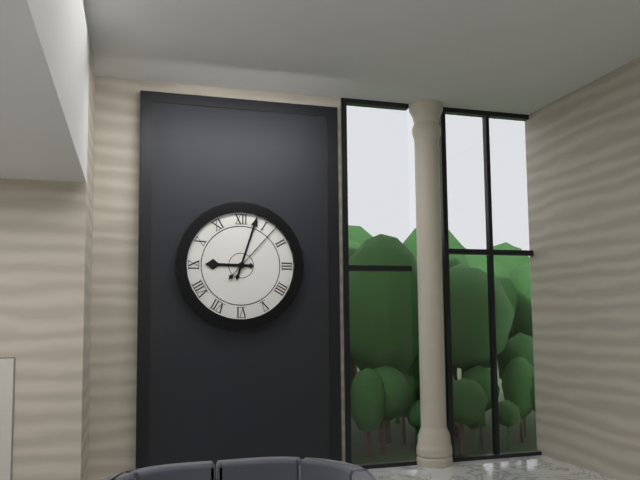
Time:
h=9 m=3 s=7
